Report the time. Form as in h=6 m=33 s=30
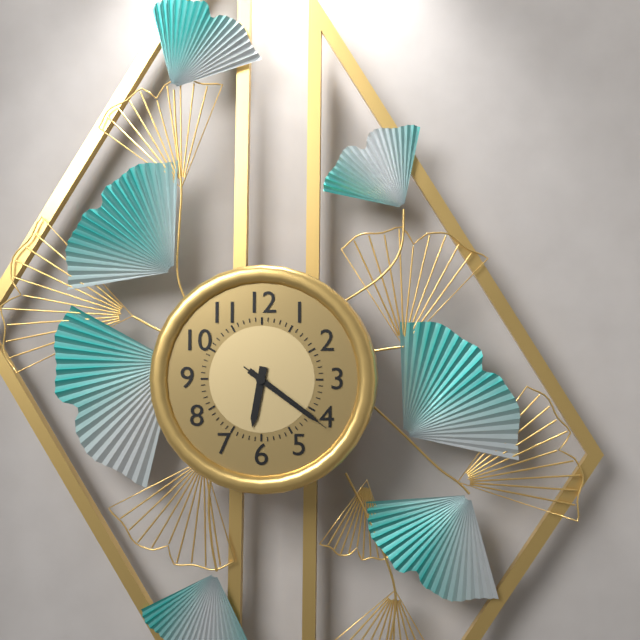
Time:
h=6 m=21 s=21
